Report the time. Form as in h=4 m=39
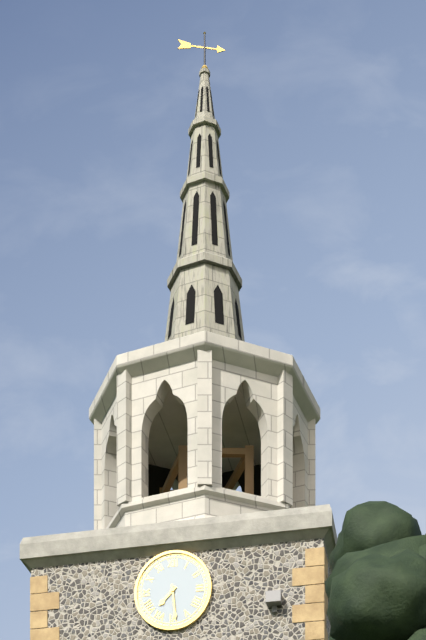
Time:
h=7 m=29
